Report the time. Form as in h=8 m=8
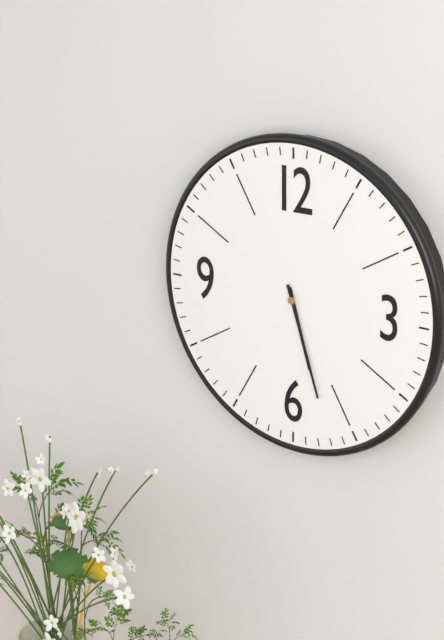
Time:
h=5 m=27
